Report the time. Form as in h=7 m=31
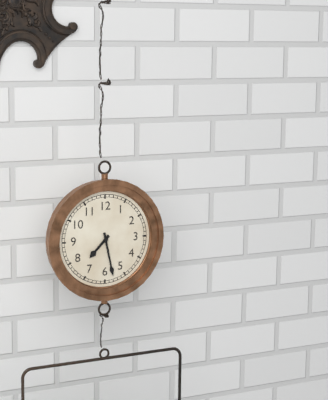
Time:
h=7 m=28
